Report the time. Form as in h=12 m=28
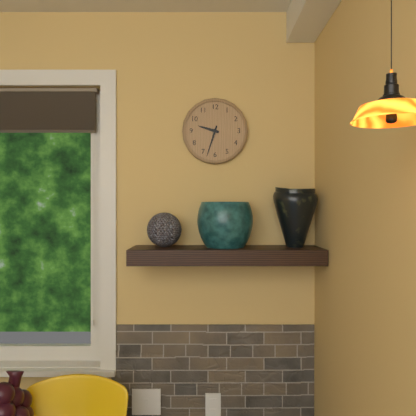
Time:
h=9 m=33
